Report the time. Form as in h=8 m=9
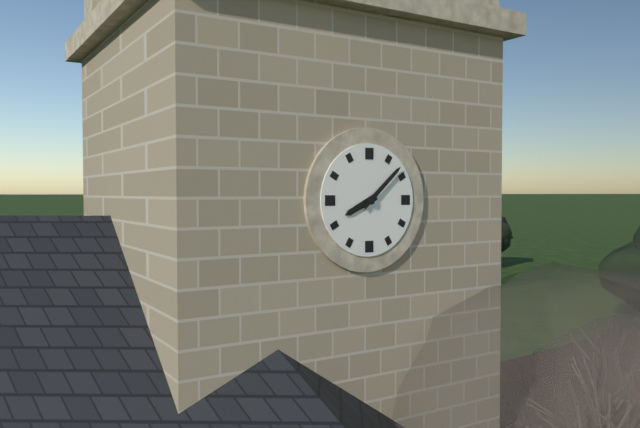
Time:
h=8 m=8
